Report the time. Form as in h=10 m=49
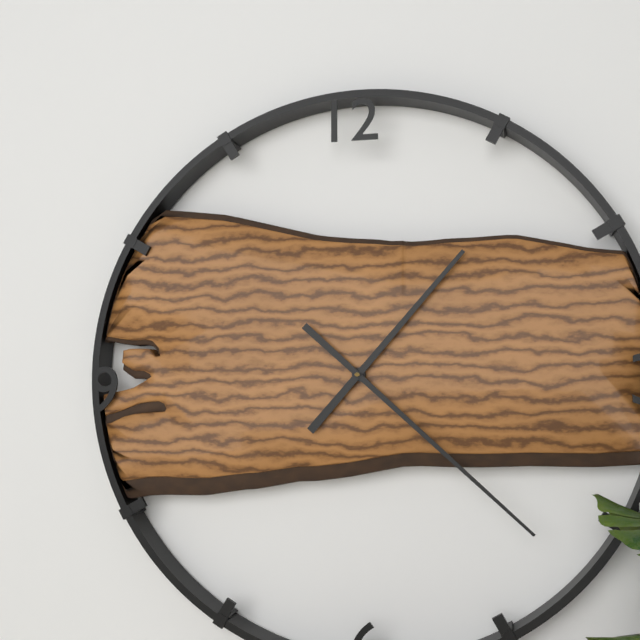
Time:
h=1 m=22
